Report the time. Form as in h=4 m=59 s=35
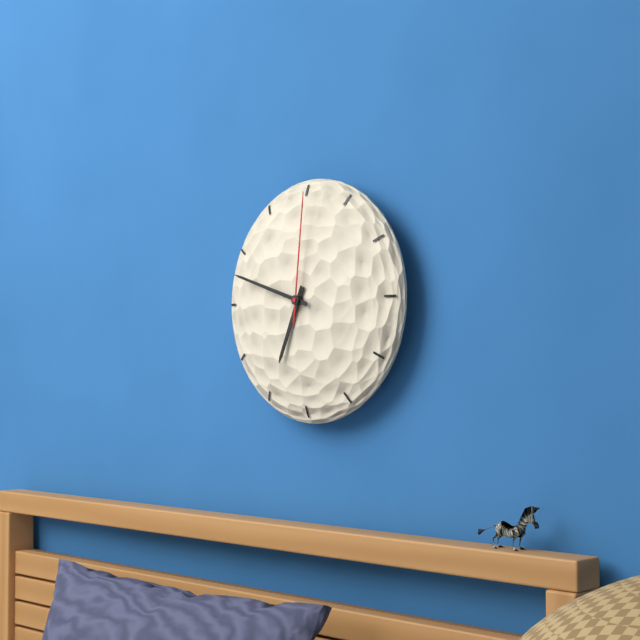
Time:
h=6 m=48 s=1
